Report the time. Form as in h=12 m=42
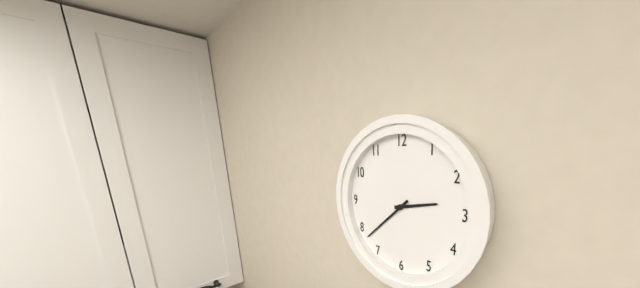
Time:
h=2 m=38
